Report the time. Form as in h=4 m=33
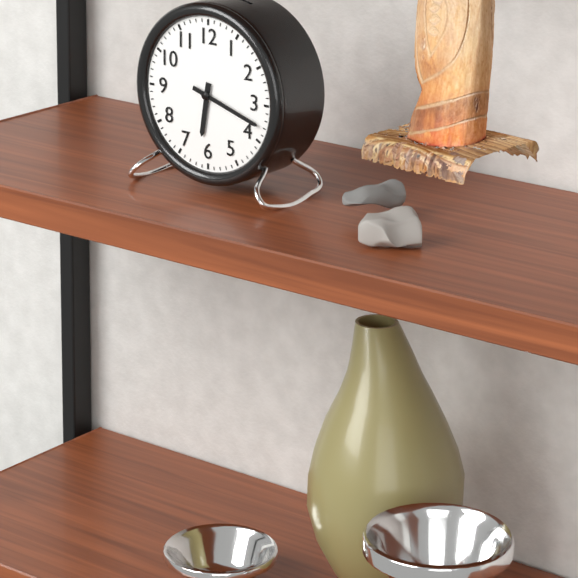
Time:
h=6 m=18
